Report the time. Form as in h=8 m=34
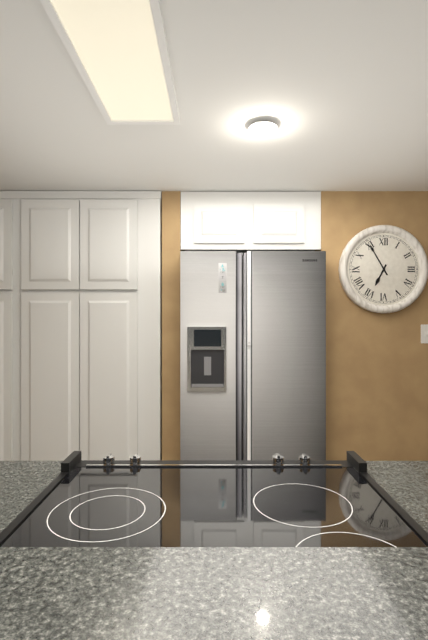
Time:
h=6 m=55
